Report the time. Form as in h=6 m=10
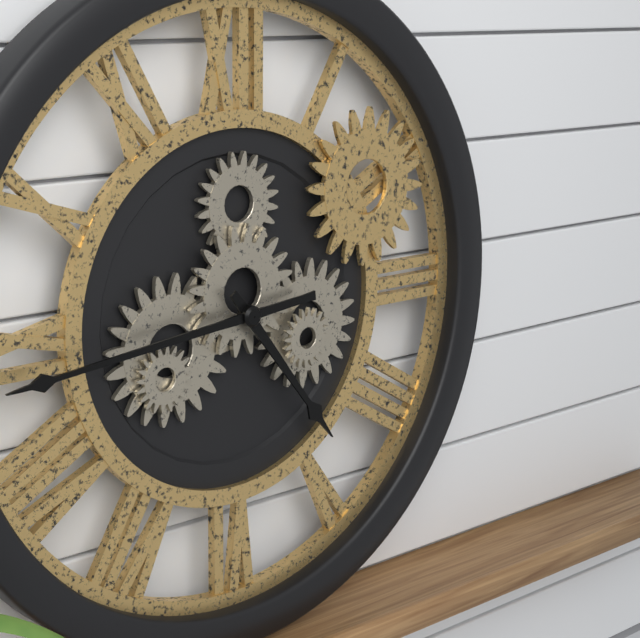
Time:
h=4 m=44
